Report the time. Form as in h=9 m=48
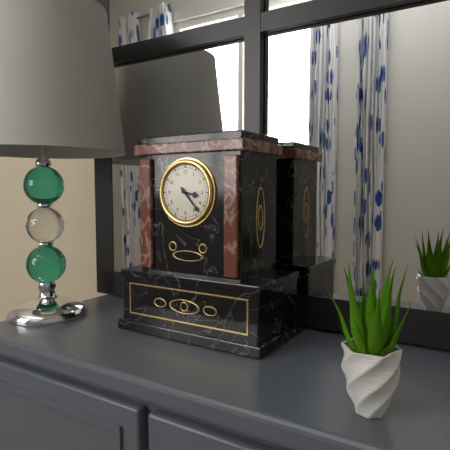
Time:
h=3 m=23
